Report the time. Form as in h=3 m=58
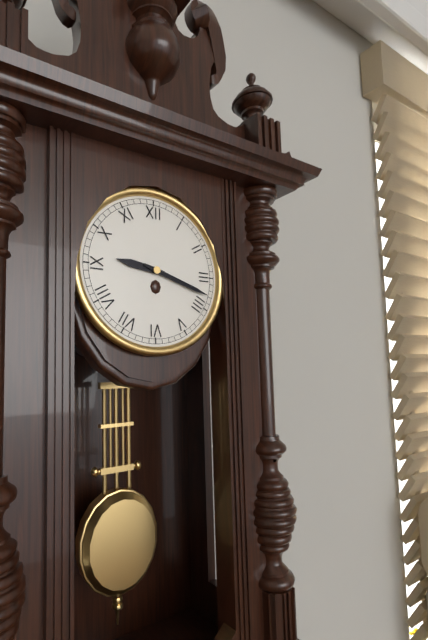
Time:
h=9 m=18
